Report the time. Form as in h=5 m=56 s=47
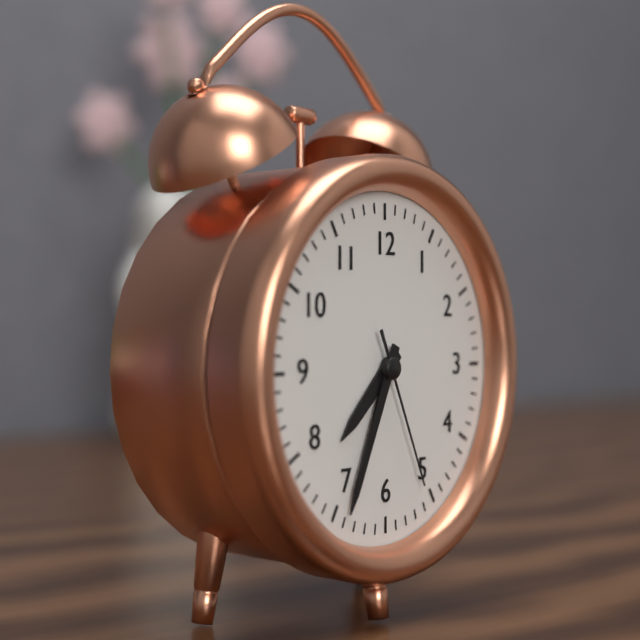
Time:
h=7 m=34 s=26
